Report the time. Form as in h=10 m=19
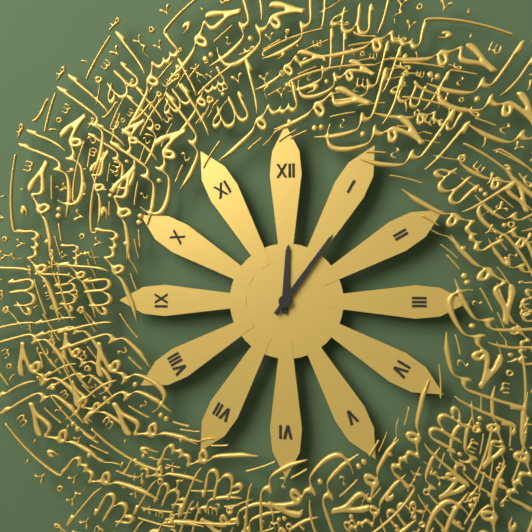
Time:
h=12 m=6
